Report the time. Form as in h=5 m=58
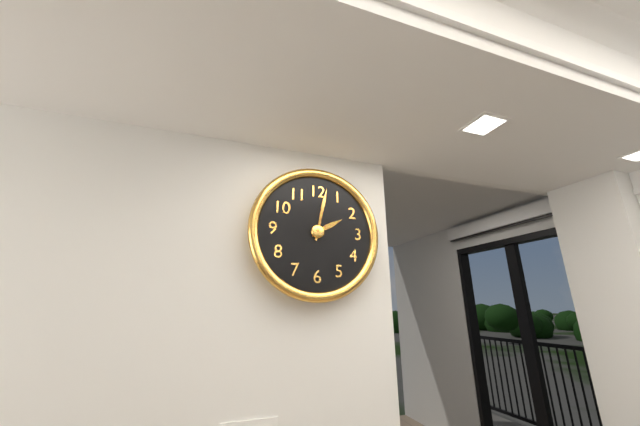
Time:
h=2 m=2
